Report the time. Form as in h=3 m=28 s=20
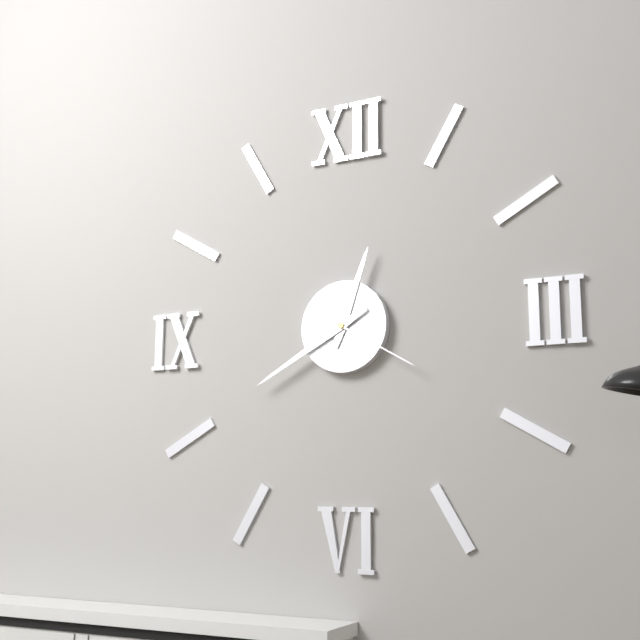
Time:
h=12 m=40 s=20
